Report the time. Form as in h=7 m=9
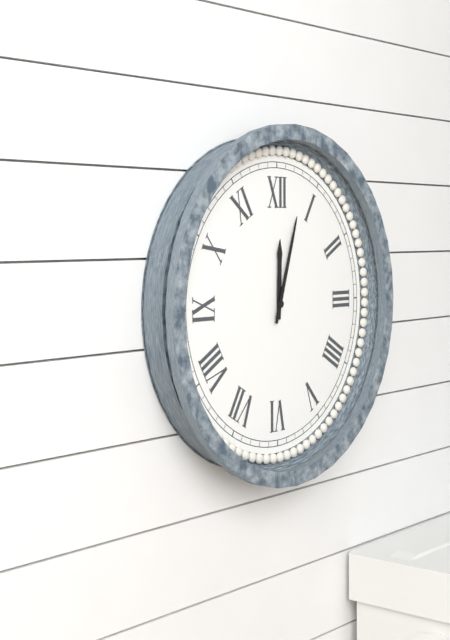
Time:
h=12 m=3
